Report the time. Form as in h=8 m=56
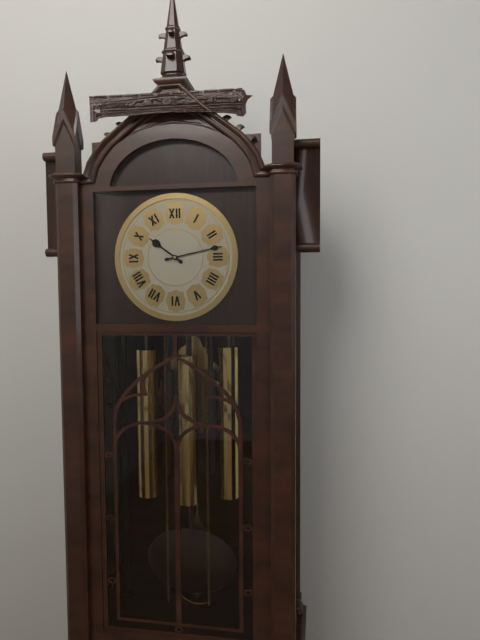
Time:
h=10 m=13
